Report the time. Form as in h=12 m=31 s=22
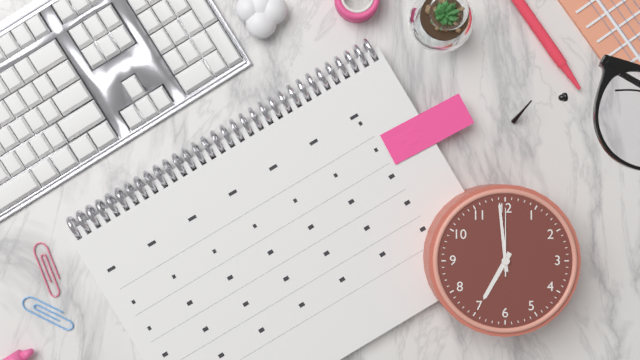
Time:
h=6 m=59 s=0
